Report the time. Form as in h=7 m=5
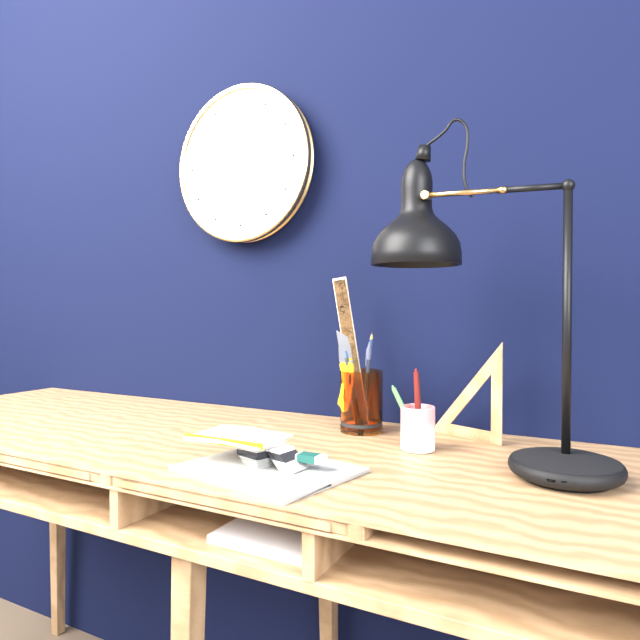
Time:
h=4 m=57
